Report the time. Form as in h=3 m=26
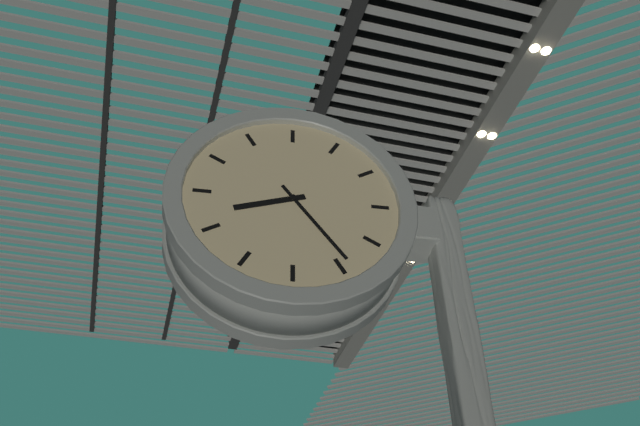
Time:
h=8 m=24
